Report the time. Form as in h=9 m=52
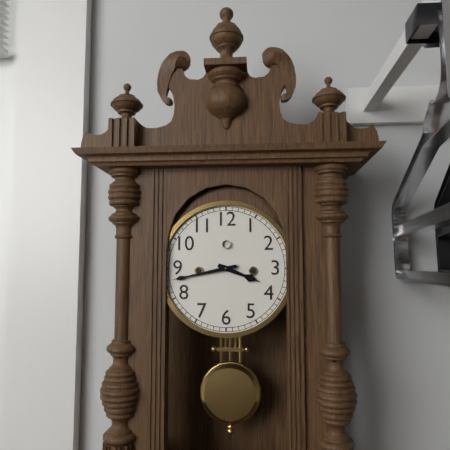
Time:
h=3 m=43
